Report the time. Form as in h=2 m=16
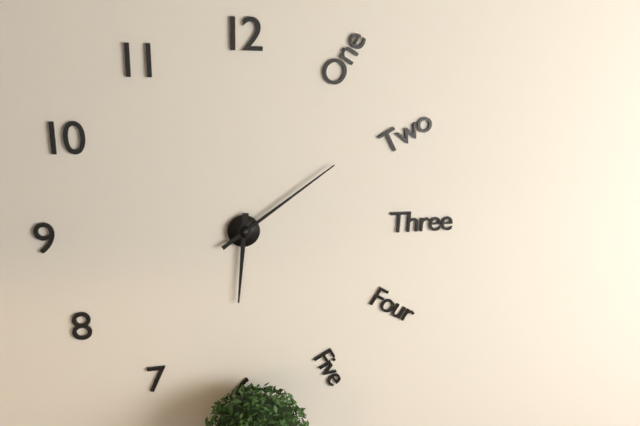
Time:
h=6 m=9
